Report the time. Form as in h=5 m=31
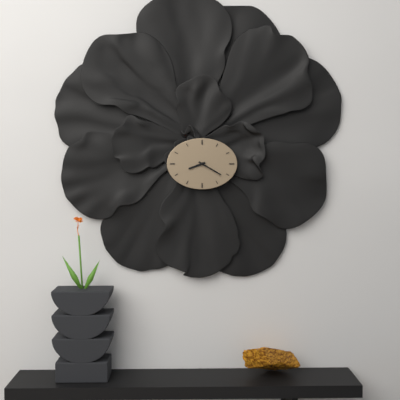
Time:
h=8 m=20
